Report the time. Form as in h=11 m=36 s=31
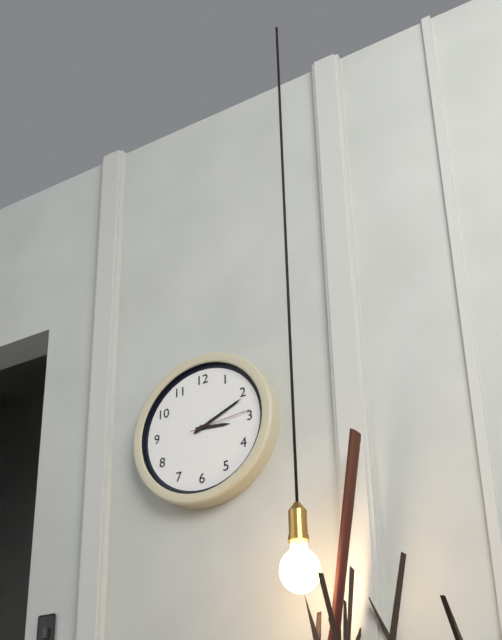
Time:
h=3 m=11 s=14
